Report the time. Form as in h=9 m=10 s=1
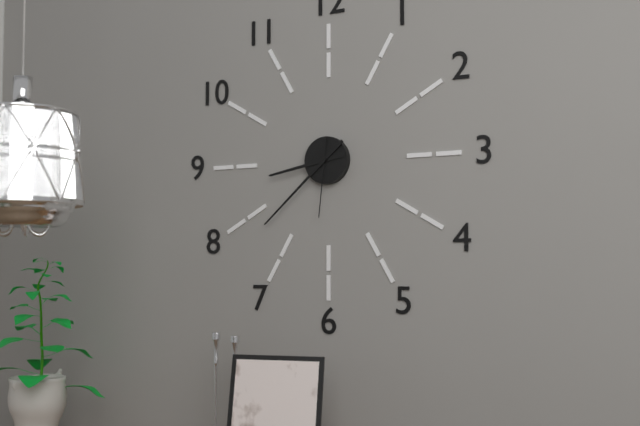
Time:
h=8 m=38 s=31
